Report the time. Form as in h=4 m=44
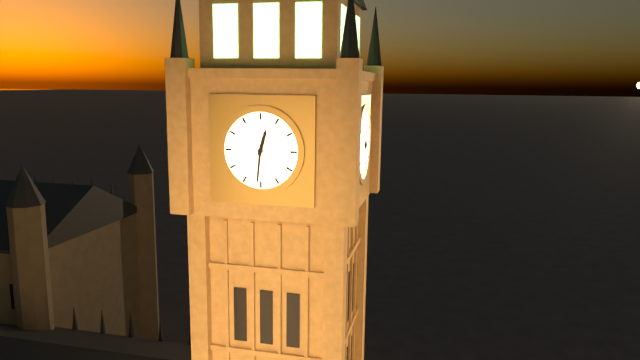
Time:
h=12 m=31
